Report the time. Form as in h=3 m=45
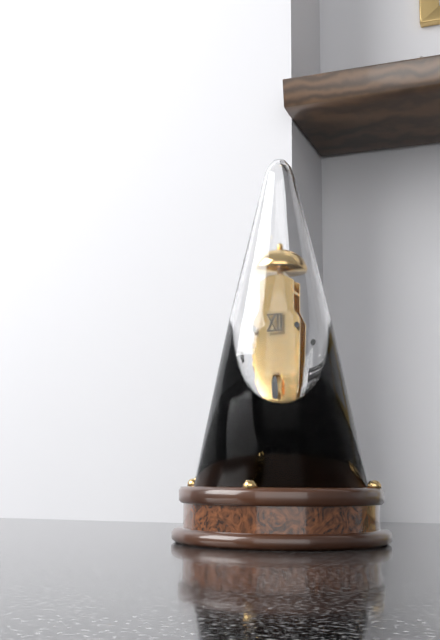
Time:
h=5 m=47
